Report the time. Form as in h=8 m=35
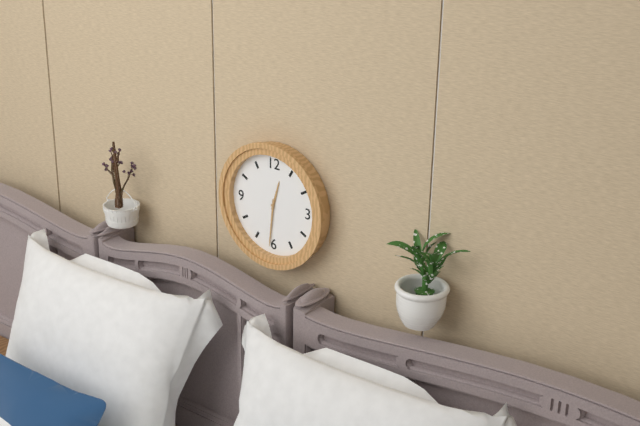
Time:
h=12 m=31
